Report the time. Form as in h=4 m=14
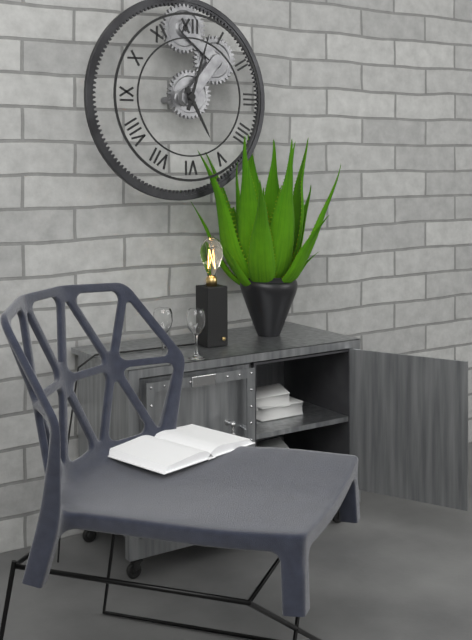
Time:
h=5 m=3
